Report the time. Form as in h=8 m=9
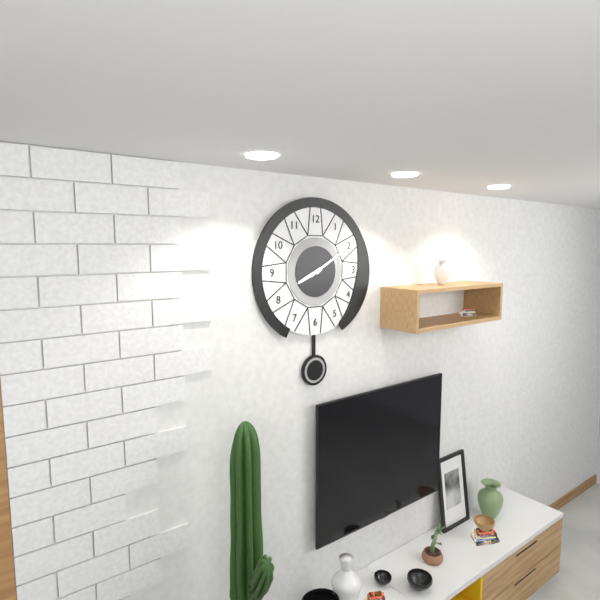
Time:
h=8 m=10
